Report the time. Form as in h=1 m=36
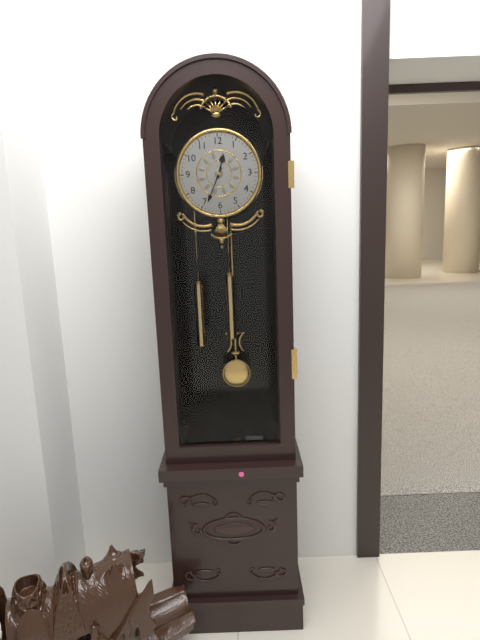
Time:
h=12 m=34
